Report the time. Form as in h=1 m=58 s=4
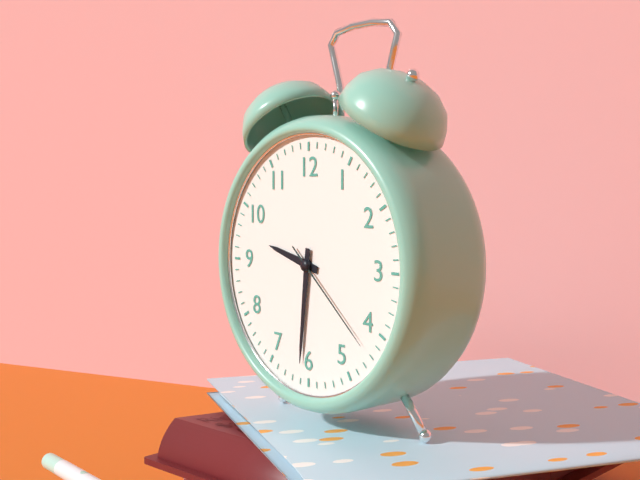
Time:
h=9 m=31 s=22
